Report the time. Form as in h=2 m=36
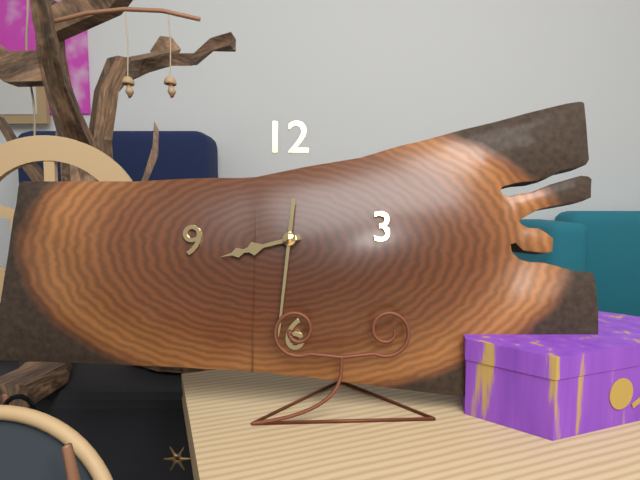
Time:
h=8 m=31
